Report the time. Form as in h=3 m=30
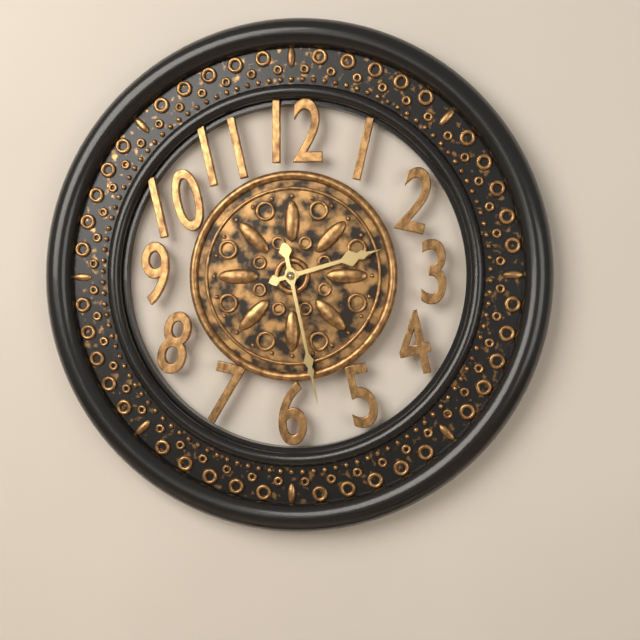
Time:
h=2 m=28
